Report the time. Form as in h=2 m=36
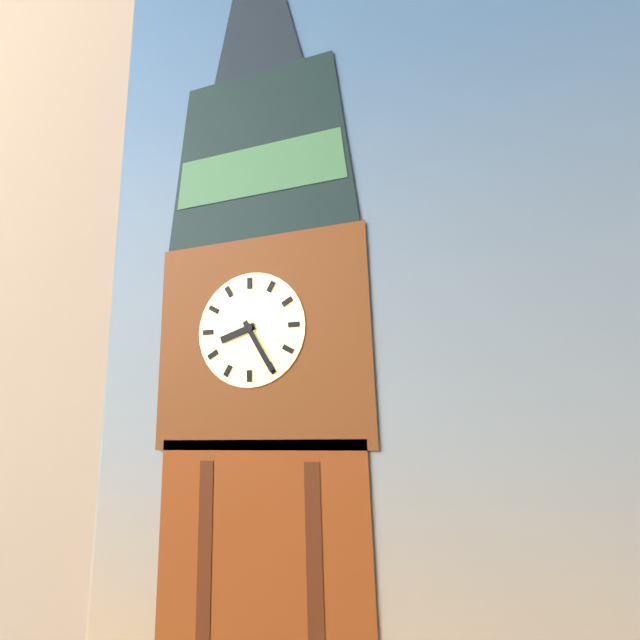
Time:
h=8 m=25
